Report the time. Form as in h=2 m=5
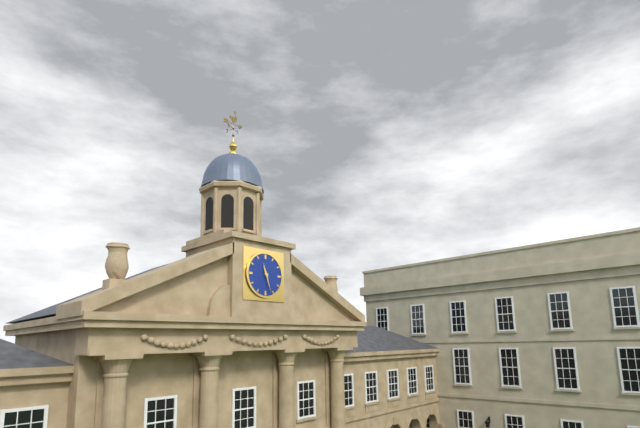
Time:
h=11 m=27
